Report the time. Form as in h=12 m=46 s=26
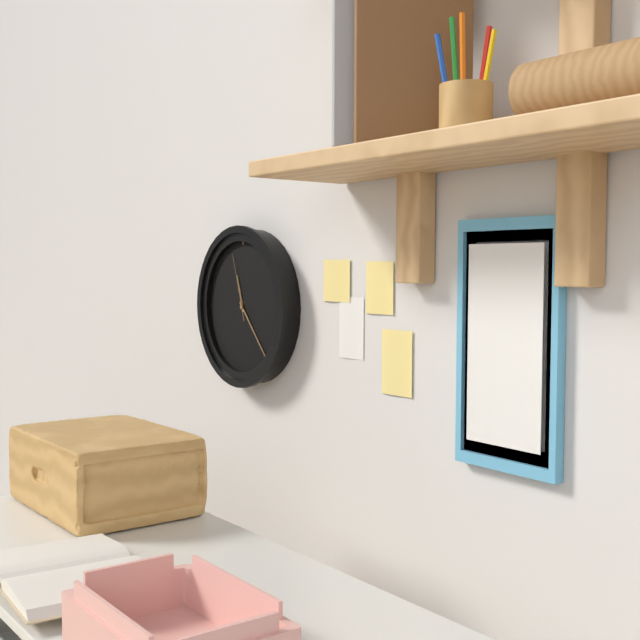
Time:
h=11 m=23 s=57
